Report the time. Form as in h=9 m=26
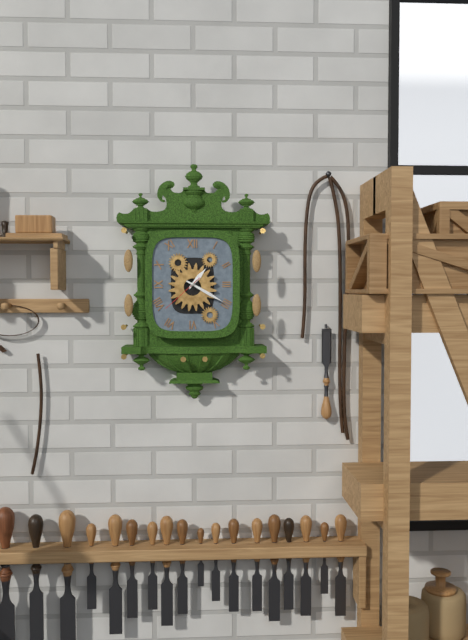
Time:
h=1 m=20
